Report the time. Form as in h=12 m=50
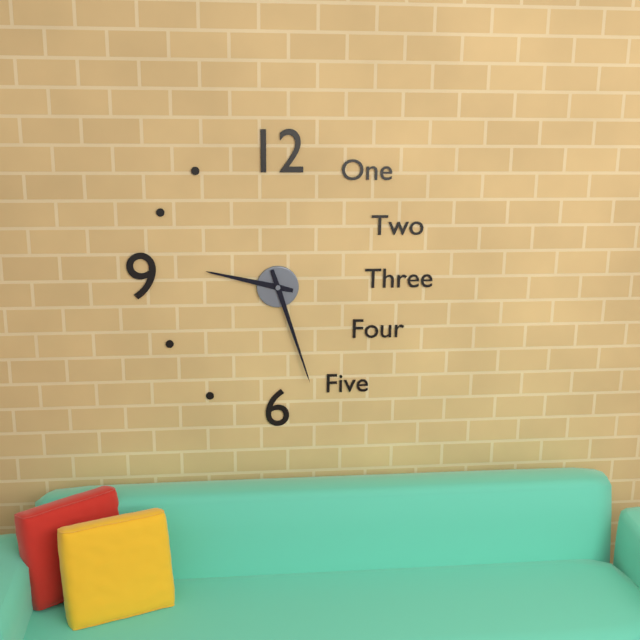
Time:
h=9 m=27
